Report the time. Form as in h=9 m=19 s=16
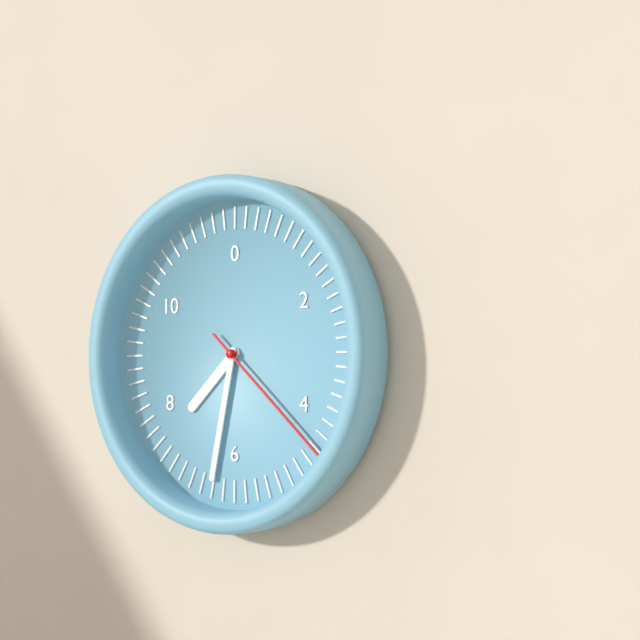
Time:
h=7 m=32 s=22
